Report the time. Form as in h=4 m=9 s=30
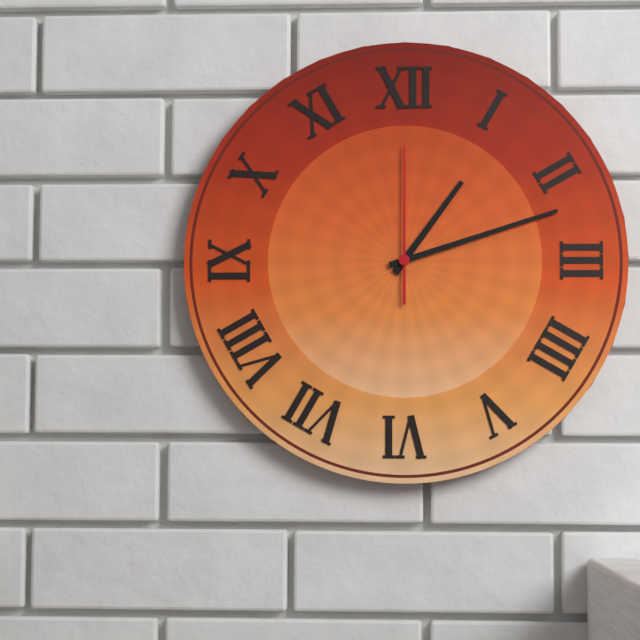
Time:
h=1 m=12 s=0
